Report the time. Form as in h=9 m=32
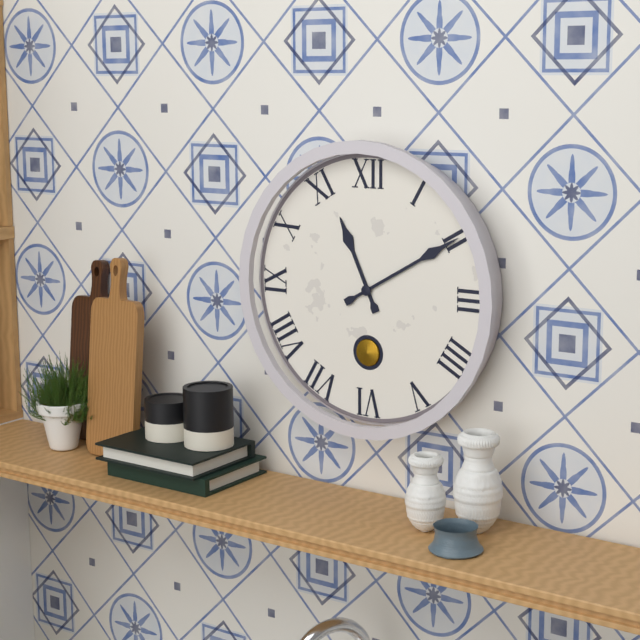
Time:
h=11 m=10
